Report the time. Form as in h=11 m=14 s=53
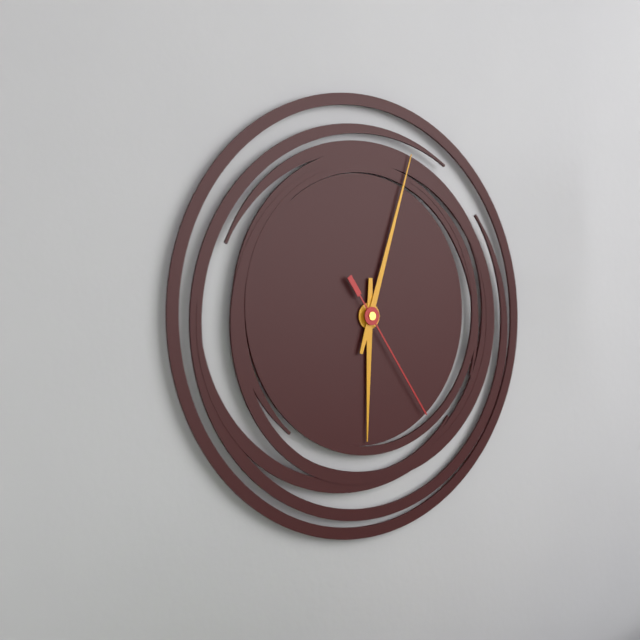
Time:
h=6 m=3 s=24
